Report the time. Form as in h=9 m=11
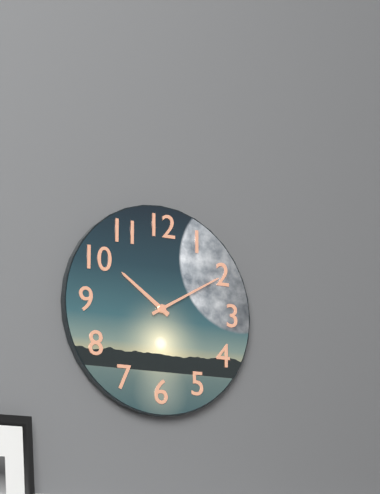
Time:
h=10 m=10
